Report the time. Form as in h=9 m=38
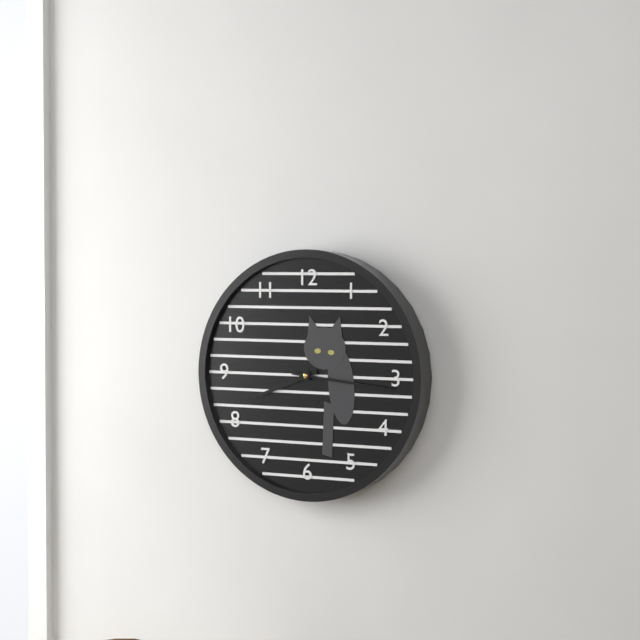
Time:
h=8 m=16
